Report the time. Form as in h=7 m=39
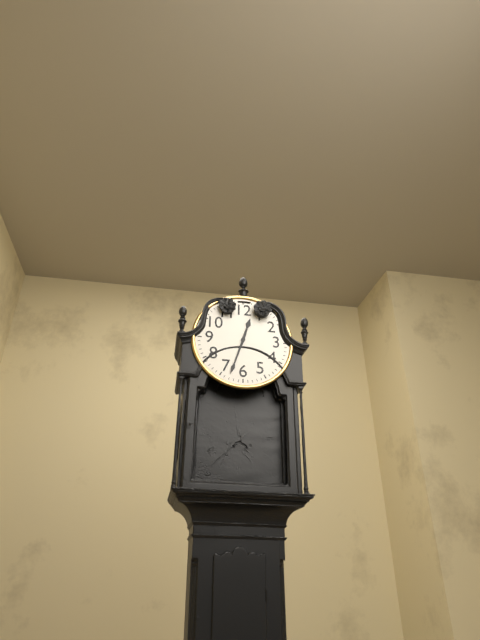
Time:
h=12 m=33
